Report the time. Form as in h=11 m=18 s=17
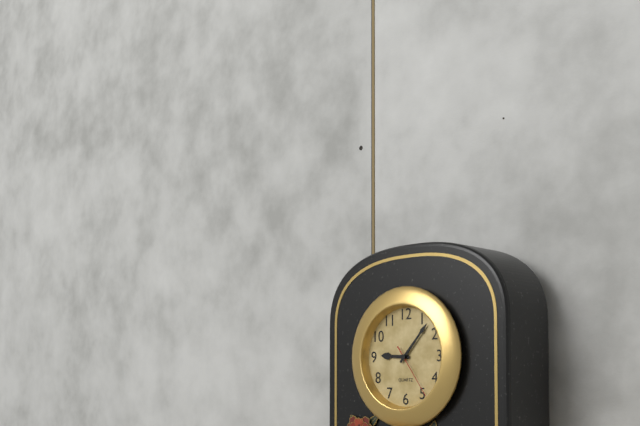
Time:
h=9 m=7 s=24
